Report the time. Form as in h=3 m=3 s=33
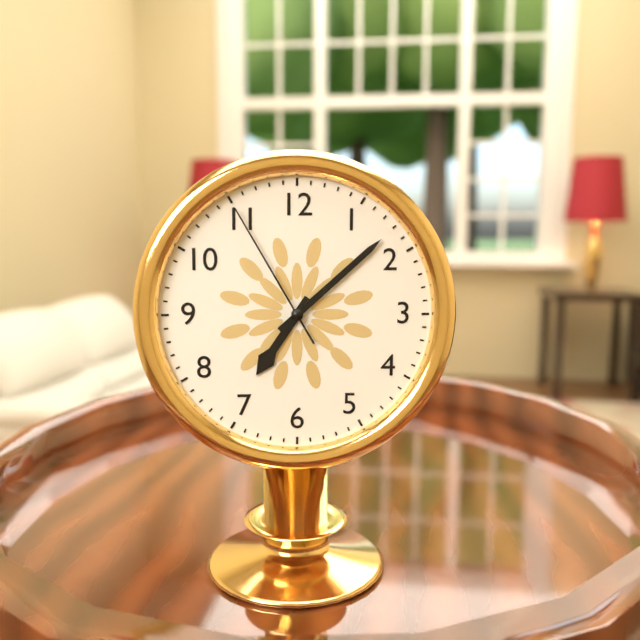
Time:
h=7 m=8 s=55
